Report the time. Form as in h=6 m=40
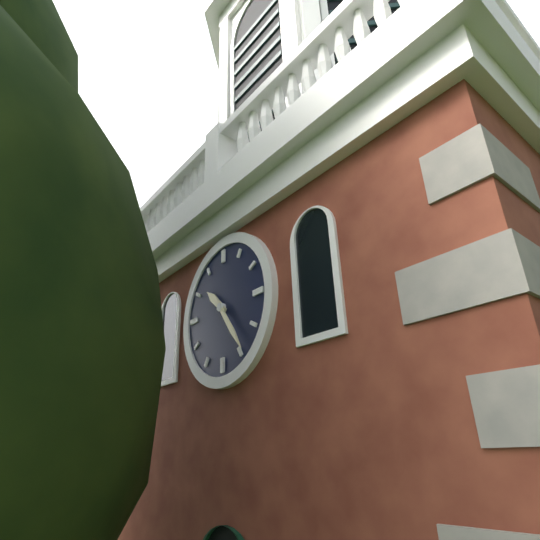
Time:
h=10 m=24
